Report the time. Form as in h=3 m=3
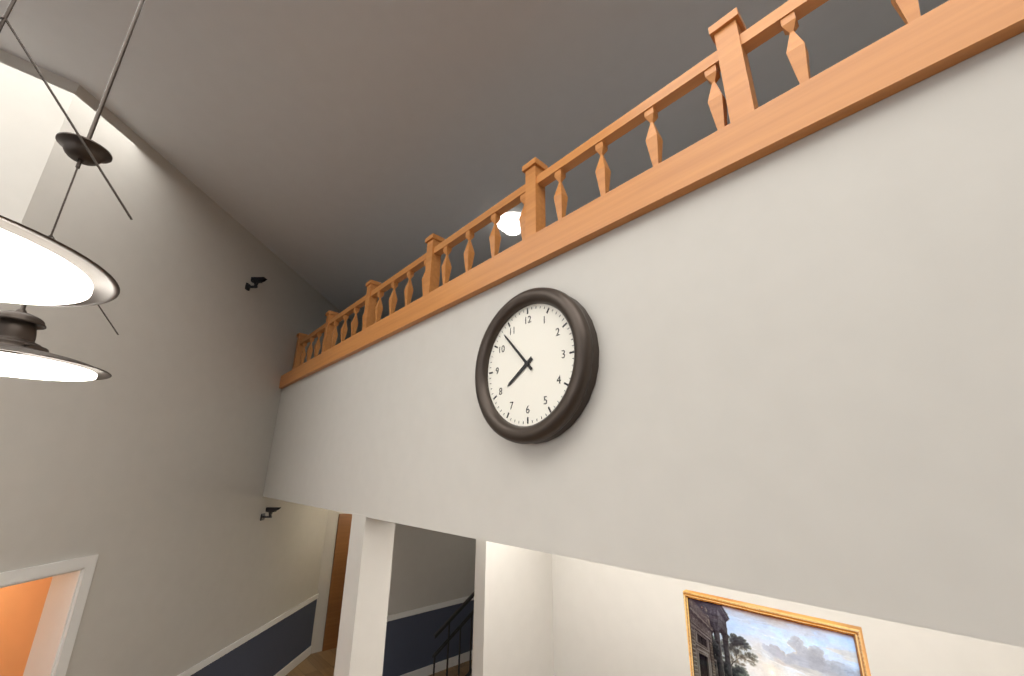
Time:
h=7 m=53
